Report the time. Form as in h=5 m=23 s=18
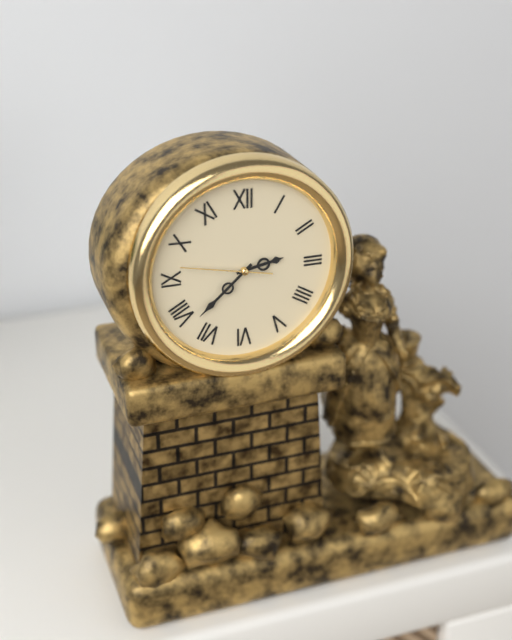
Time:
h=2 m=38 s=47
